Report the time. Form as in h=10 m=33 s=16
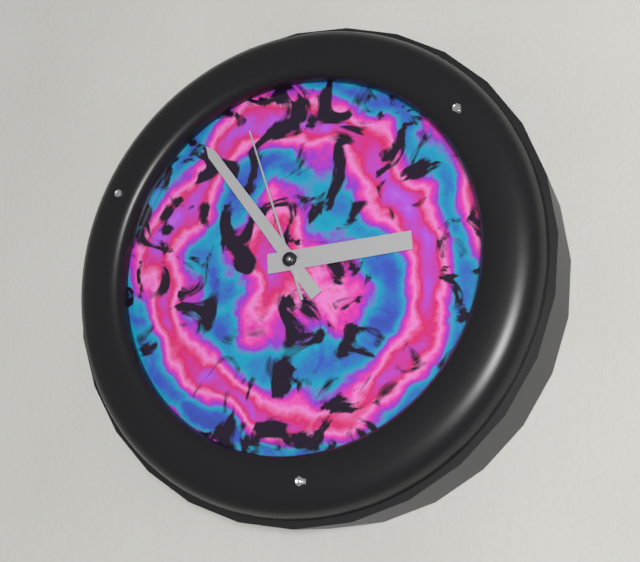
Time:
h=2 m=54 s=57
